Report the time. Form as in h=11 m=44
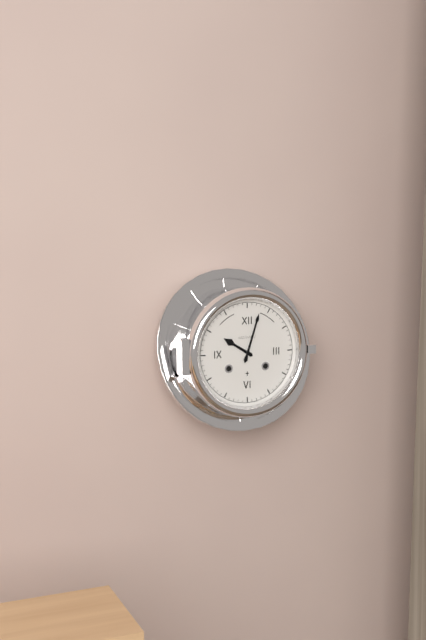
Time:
h=10 m=3
